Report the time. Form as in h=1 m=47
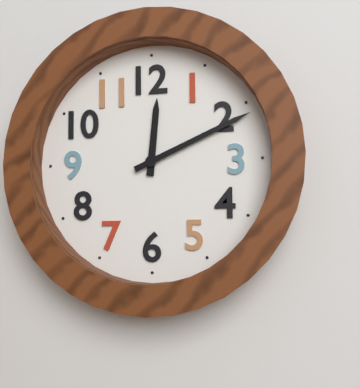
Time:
h=12 m=11
